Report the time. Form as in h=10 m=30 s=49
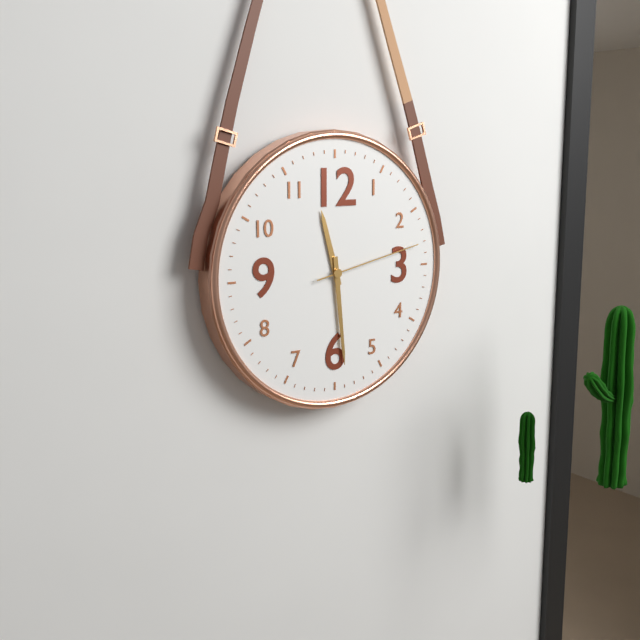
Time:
h=11 m=29 s=13
